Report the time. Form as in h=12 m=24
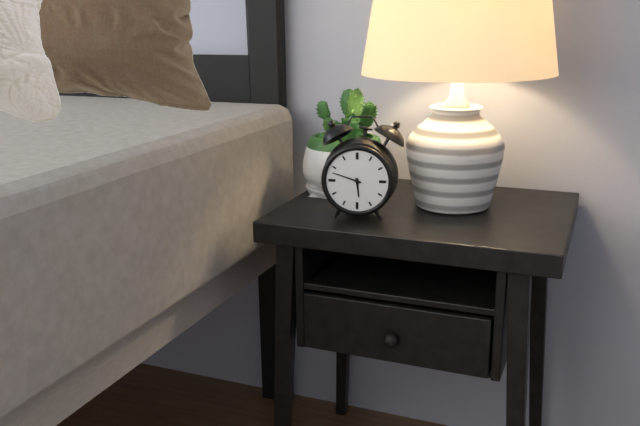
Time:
h=5 m=48
